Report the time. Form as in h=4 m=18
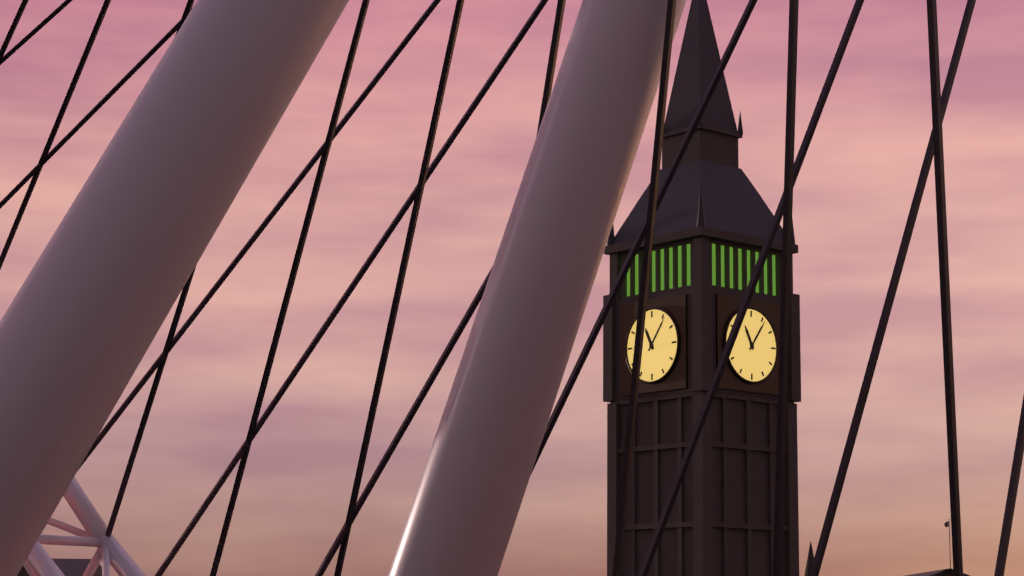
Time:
h=11 m=6
